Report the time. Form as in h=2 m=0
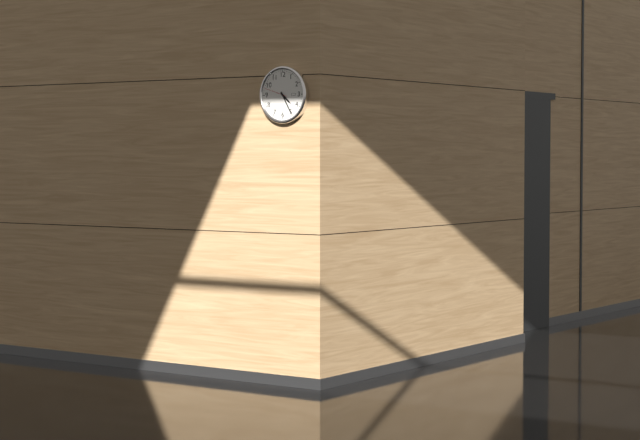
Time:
h=4 m=25
